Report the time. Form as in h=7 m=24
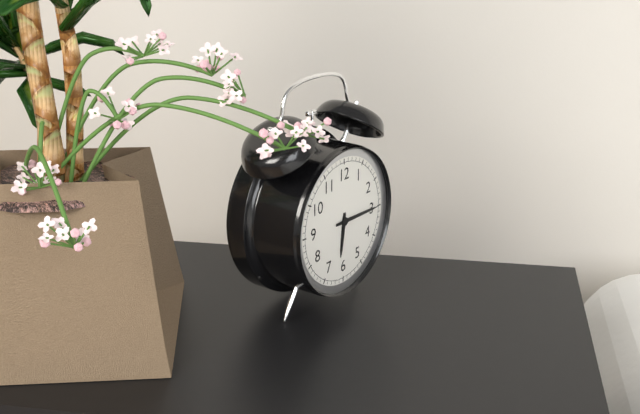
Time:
h=6 m=15
